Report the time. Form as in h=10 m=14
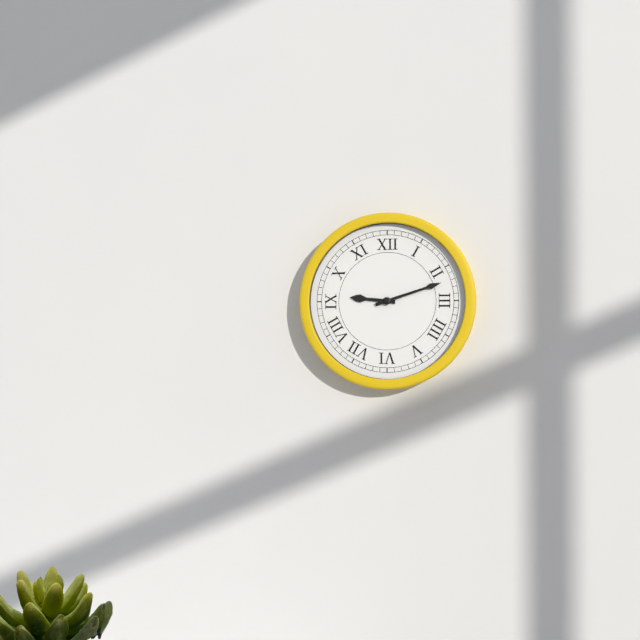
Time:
h=9 m=12
